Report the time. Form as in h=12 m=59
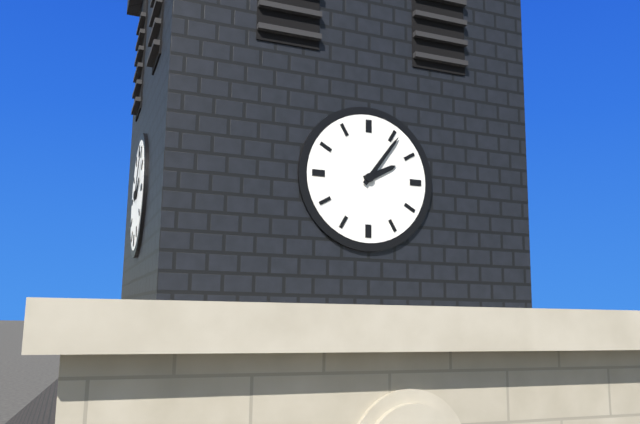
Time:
h=2 m=6
